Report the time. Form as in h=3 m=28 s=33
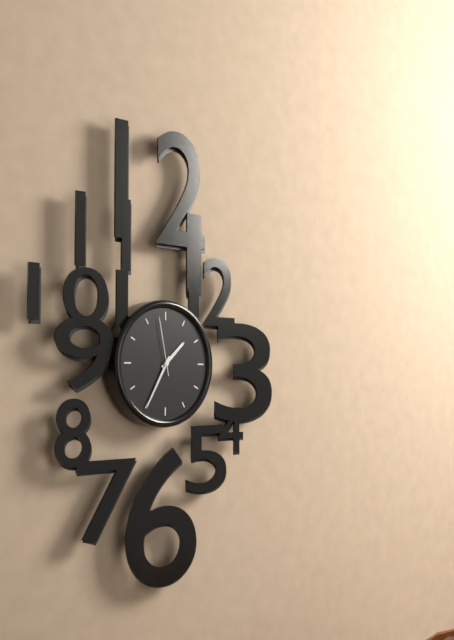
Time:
h=1 m=35 s=58
